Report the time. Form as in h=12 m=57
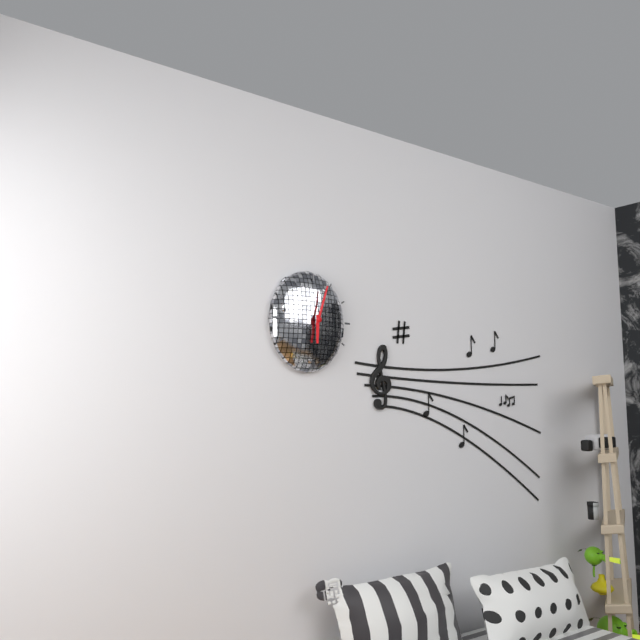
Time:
h=6 m=3
